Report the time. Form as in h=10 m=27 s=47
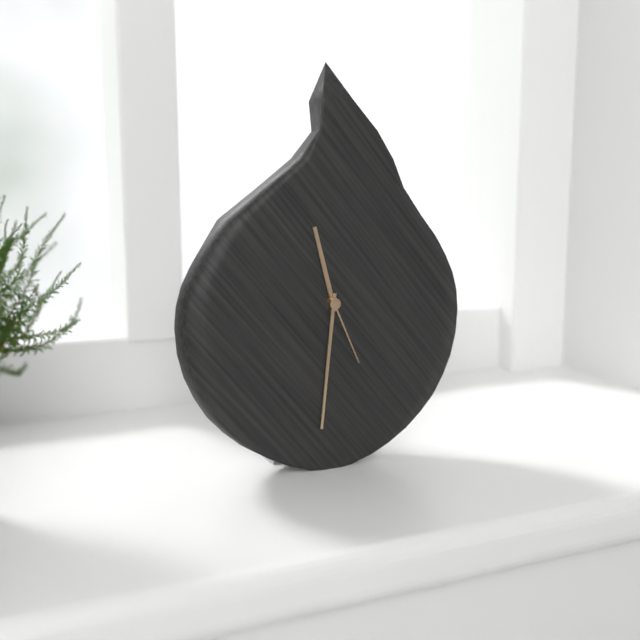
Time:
h=11 m=31 s=26
